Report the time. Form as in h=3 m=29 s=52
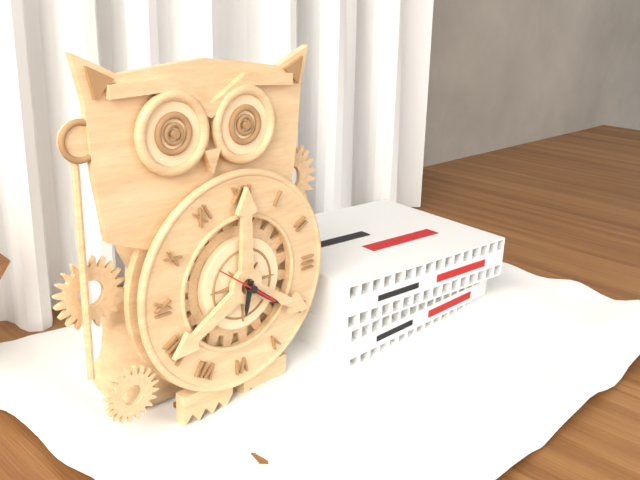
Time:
h=6 m=21 s=51
